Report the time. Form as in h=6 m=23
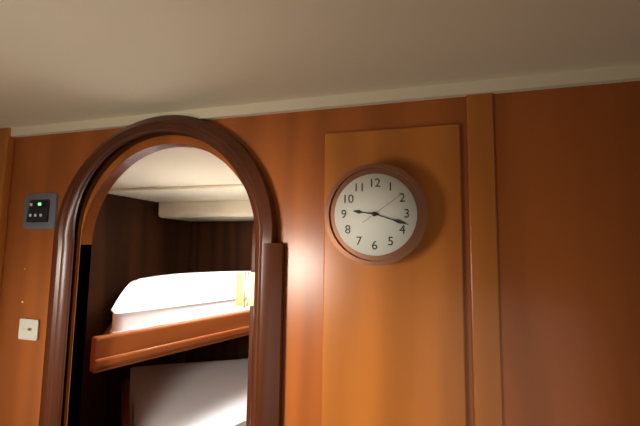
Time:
h=9 m=18
